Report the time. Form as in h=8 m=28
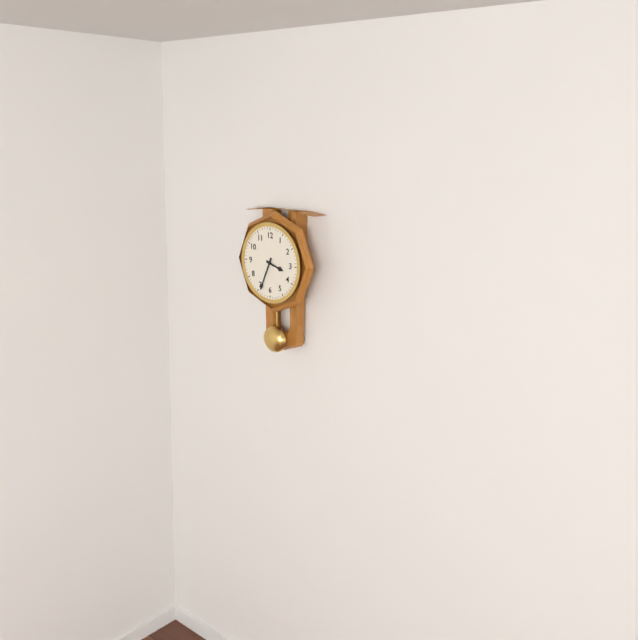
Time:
h=3 m=34
